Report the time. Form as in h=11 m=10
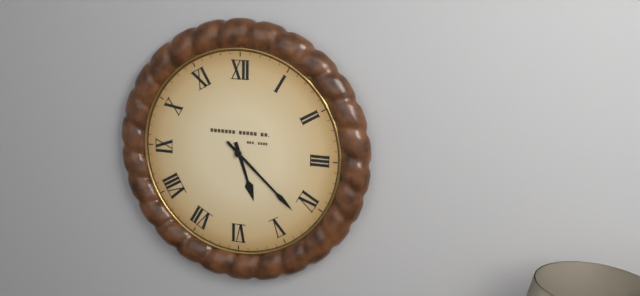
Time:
h=5 m=22
